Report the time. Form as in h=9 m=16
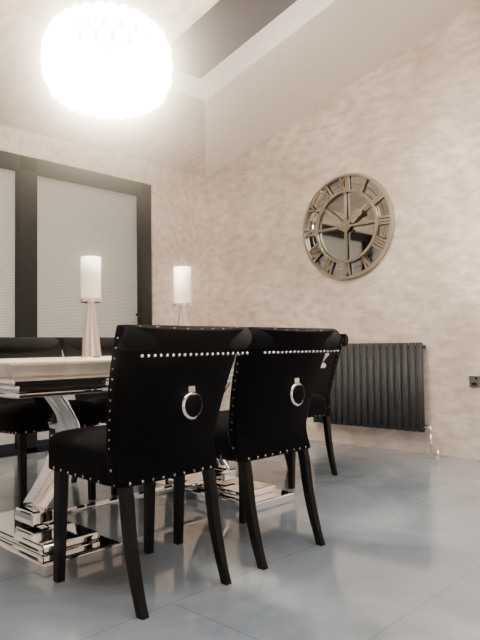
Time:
h=1 m=52
